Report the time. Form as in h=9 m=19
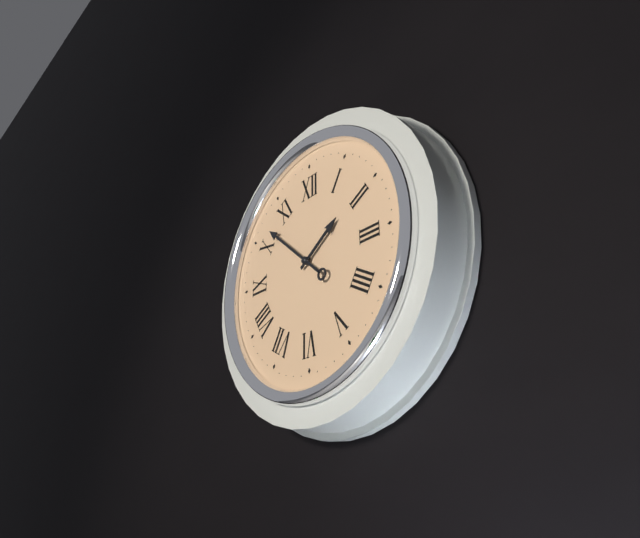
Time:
h=1 m=52
